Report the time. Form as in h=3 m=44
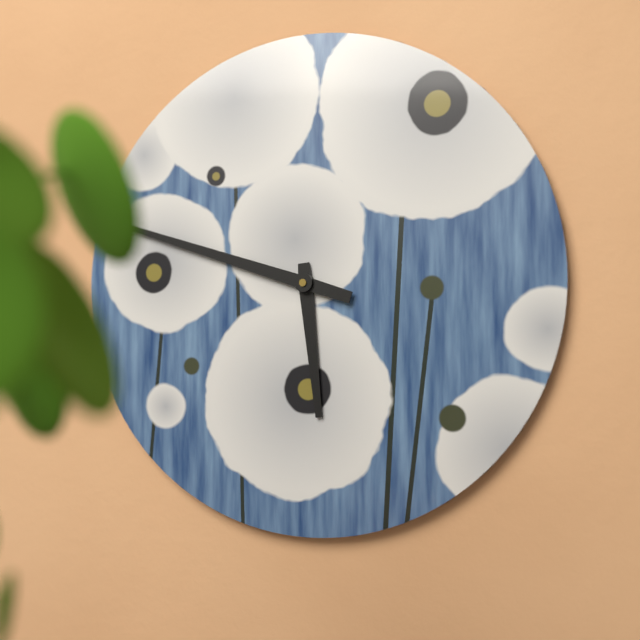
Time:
h=5 m=48
